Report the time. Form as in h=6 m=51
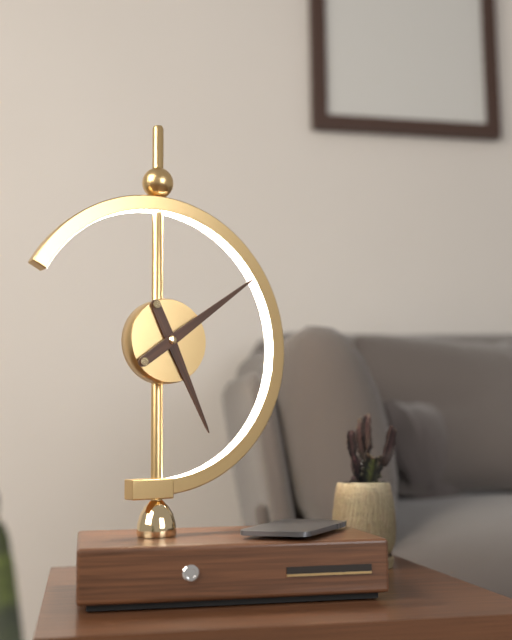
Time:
h=5 m=9
